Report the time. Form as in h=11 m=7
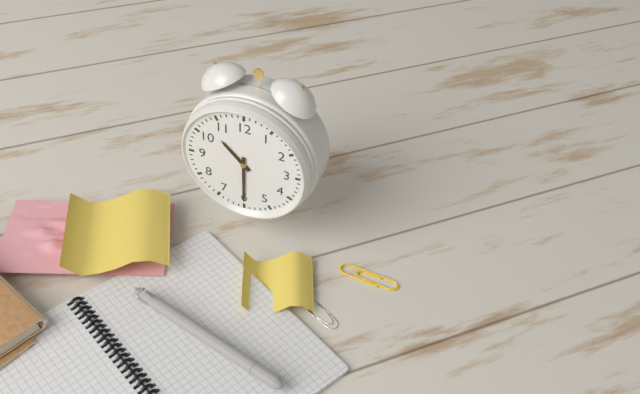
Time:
h=10 m=30
